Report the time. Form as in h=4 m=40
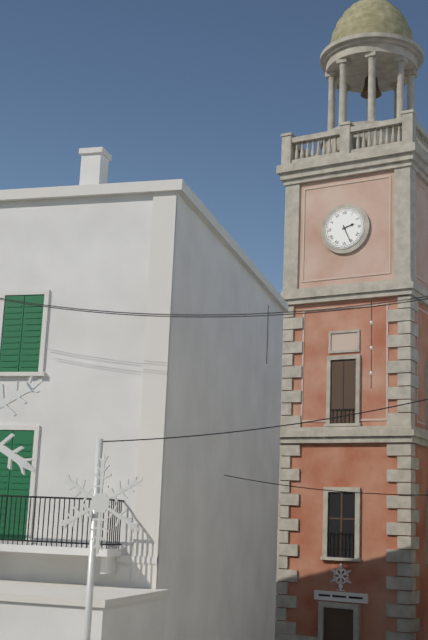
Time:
h=2 m=26
